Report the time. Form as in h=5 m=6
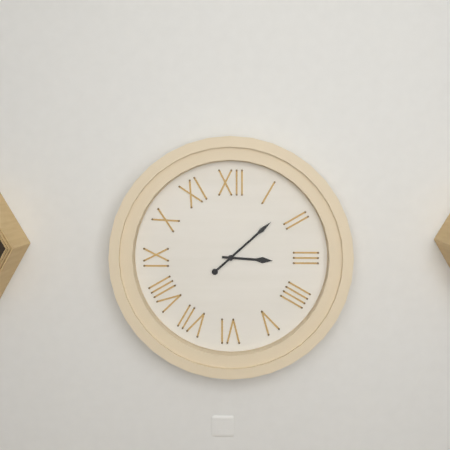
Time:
h=3 m=8
